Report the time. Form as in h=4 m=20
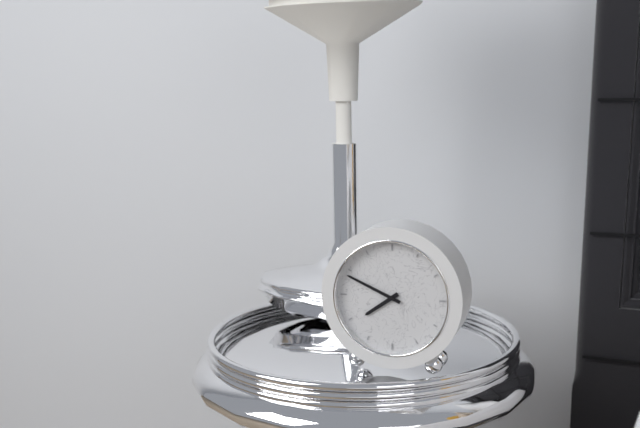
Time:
h=7 m=49
